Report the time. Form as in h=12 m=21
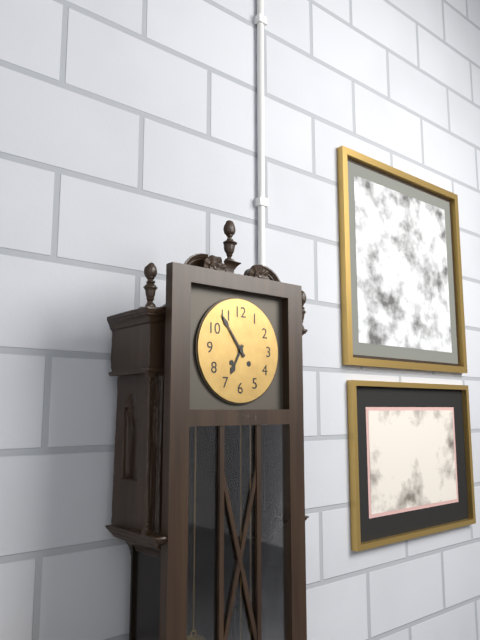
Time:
h=6 m=54
